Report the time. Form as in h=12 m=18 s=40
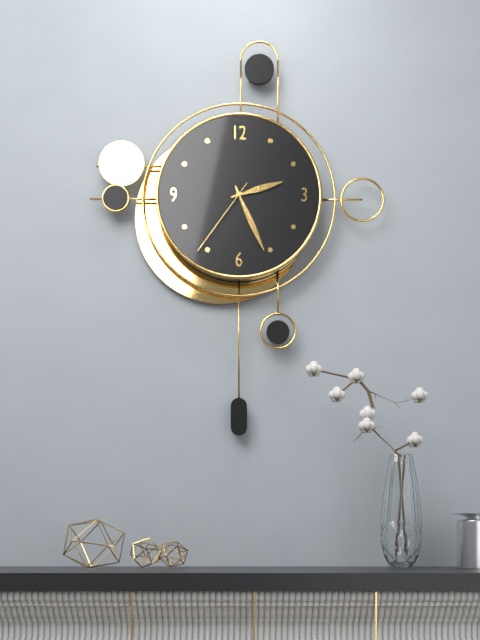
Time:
h=2 m=26 s=36
